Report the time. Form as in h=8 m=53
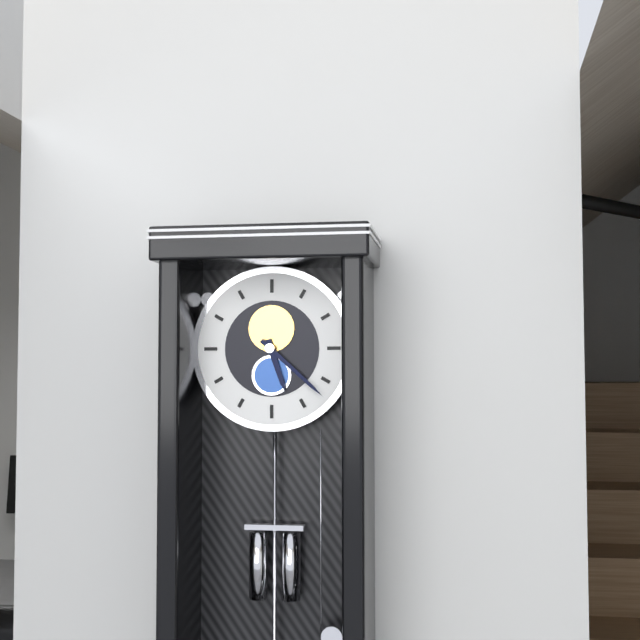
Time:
h=5 m=22
